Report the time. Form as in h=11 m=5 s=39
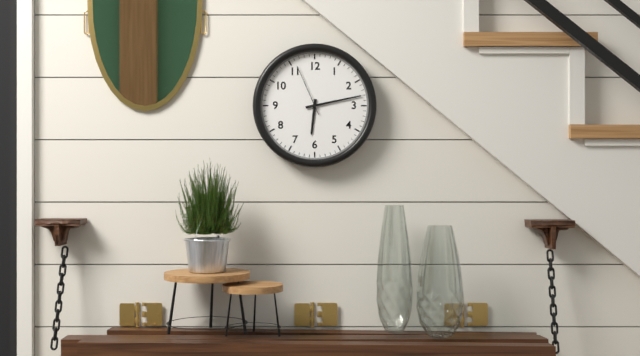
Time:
h=6 m=13 s=56
